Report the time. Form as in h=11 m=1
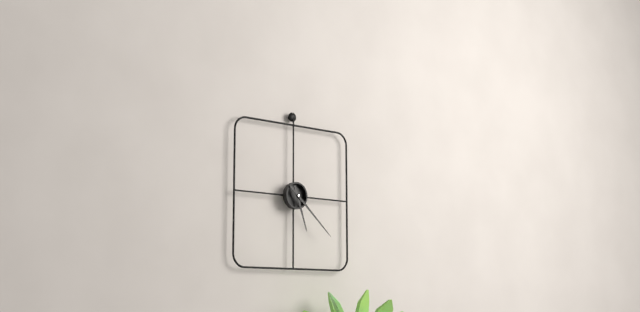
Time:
h=5 m=22
